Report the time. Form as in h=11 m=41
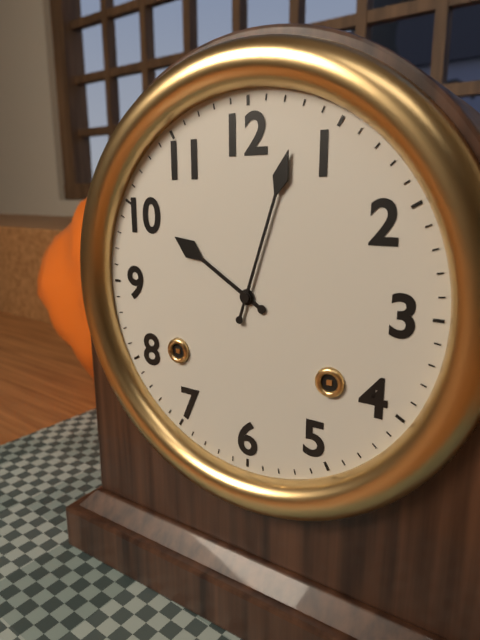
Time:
h=10 m=3
